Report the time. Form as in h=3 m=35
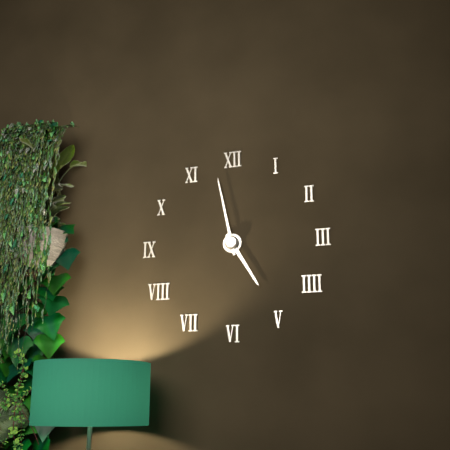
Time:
h=4 m=58
